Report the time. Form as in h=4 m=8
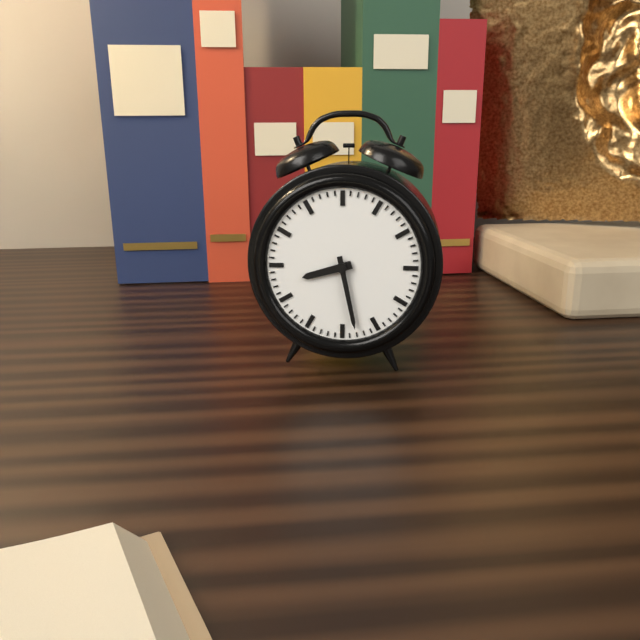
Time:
h=8 m=28
